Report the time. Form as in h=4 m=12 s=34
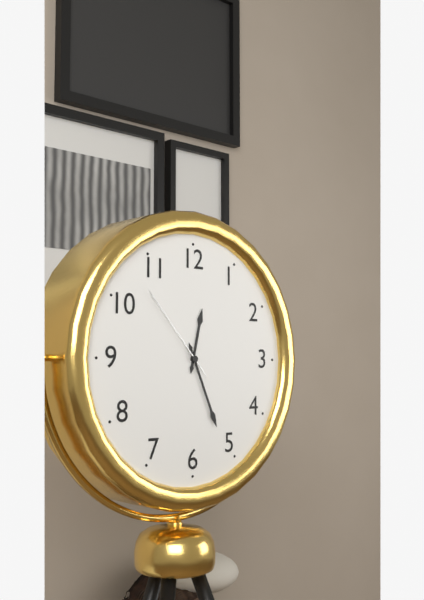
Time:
h=12 m=26 s=53
